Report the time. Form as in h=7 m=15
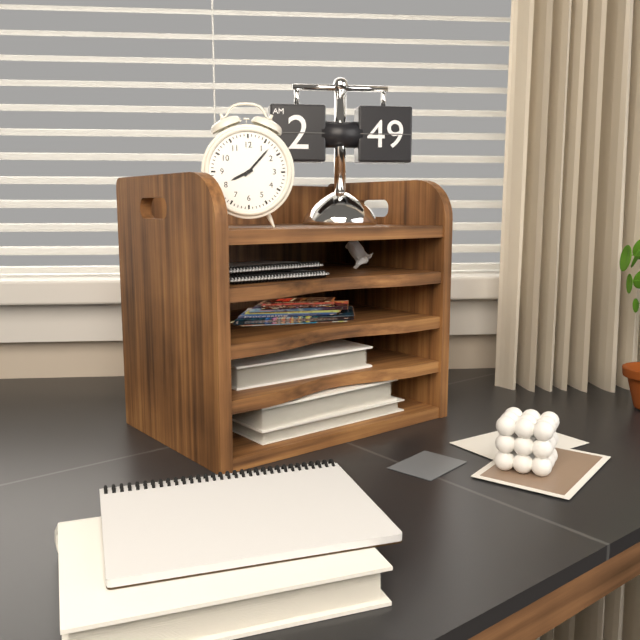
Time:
h=8 m=7
